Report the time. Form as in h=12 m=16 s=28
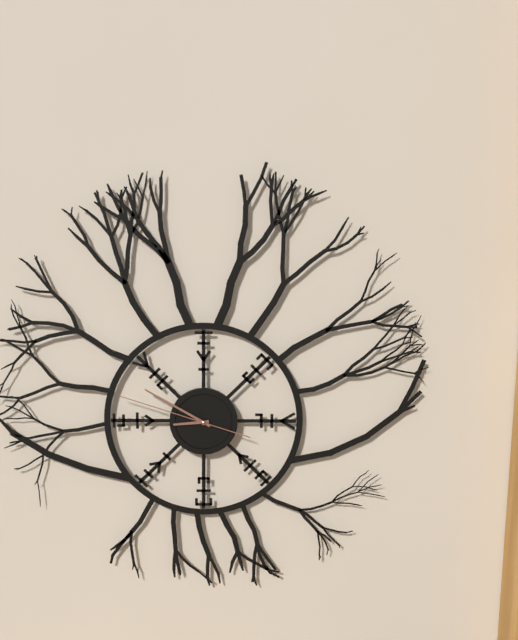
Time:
h=8 m=50 s=48
